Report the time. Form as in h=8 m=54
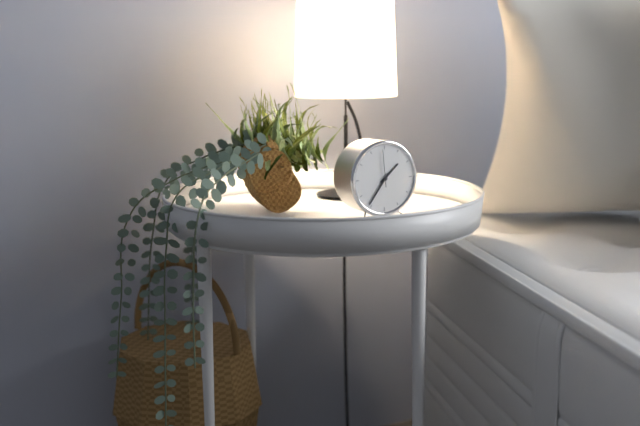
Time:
h=1 m=36
